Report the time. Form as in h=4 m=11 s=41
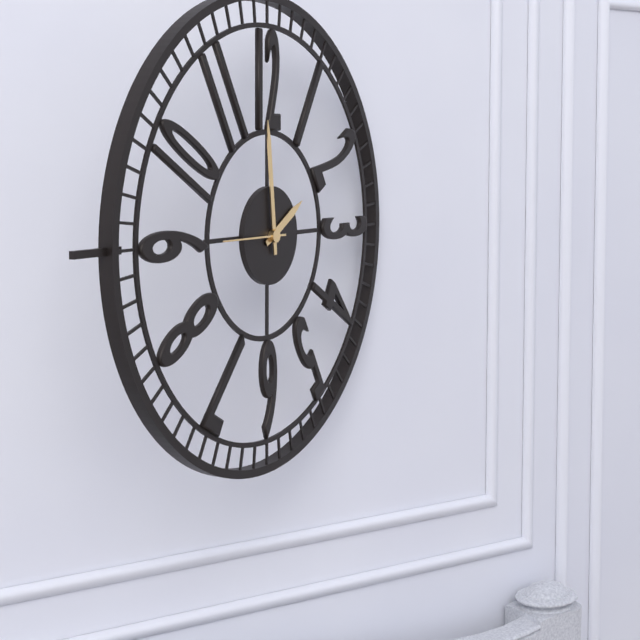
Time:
h=1 m=59 s=45
